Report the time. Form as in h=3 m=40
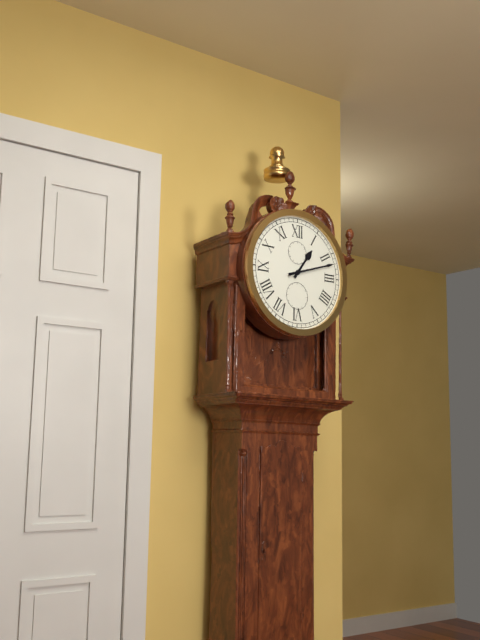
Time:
h=1 m=12
